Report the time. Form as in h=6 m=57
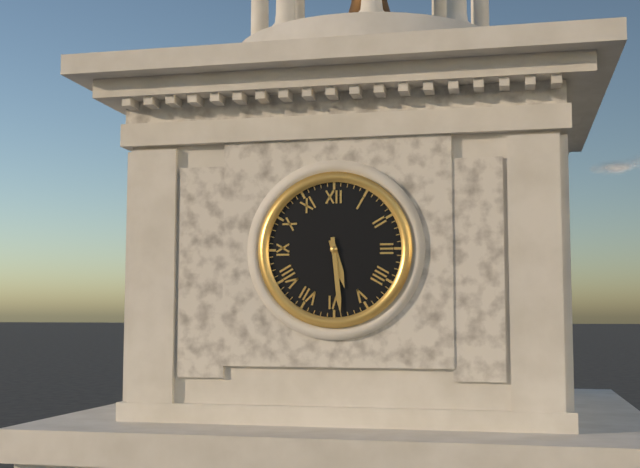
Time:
h=5 m=29
